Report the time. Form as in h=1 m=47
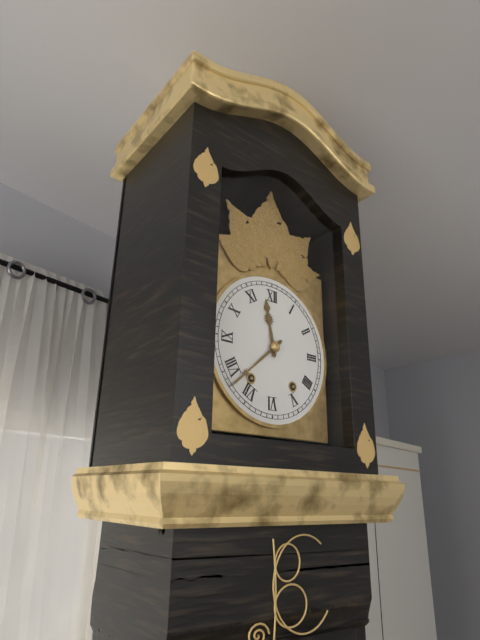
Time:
h=11 m=38
